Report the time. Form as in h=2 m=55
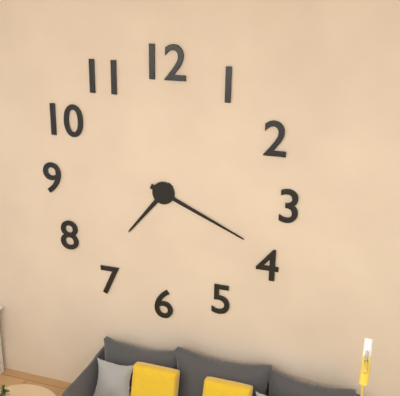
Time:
h=7 m=19
